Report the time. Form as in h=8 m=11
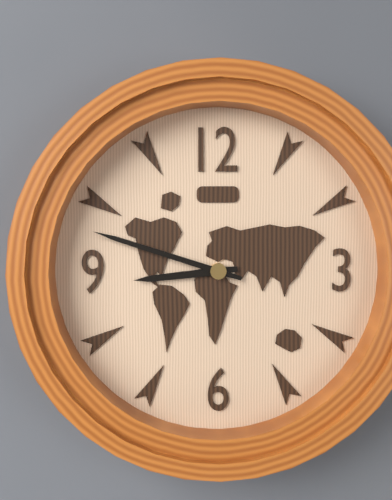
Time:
h=8 m=48
